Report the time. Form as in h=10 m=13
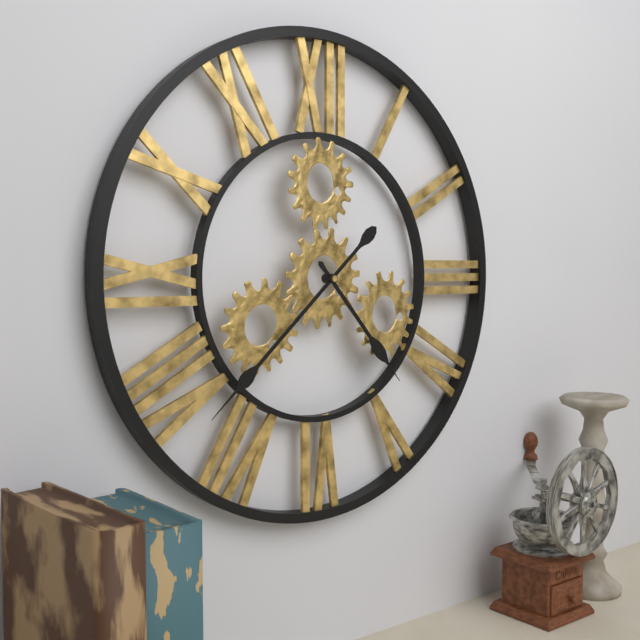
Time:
h=4 m=38
